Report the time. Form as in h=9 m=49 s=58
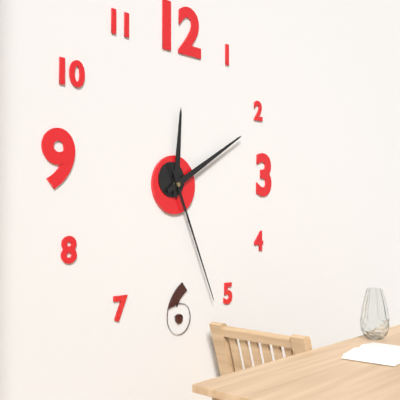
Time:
h=12 m=10 s=26
